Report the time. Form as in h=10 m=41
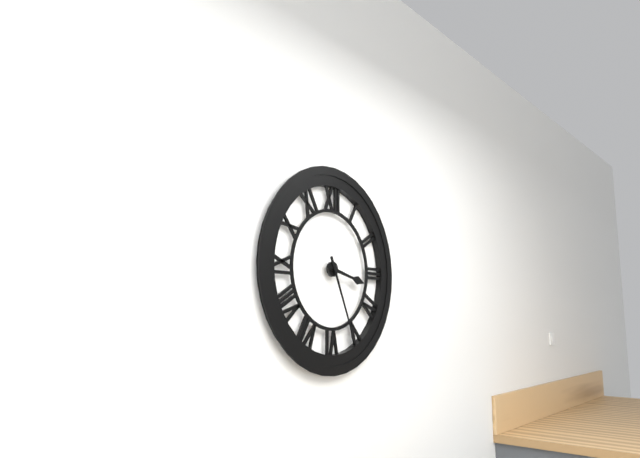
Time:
h=3 m=26
